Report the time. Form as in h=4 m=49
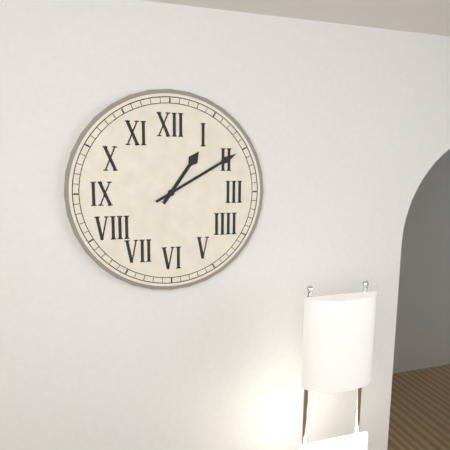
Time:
h=1 m=10
